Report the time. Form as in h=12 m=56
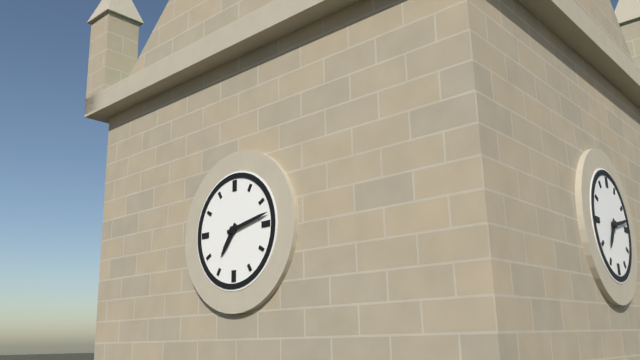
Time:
h=7 m=13
